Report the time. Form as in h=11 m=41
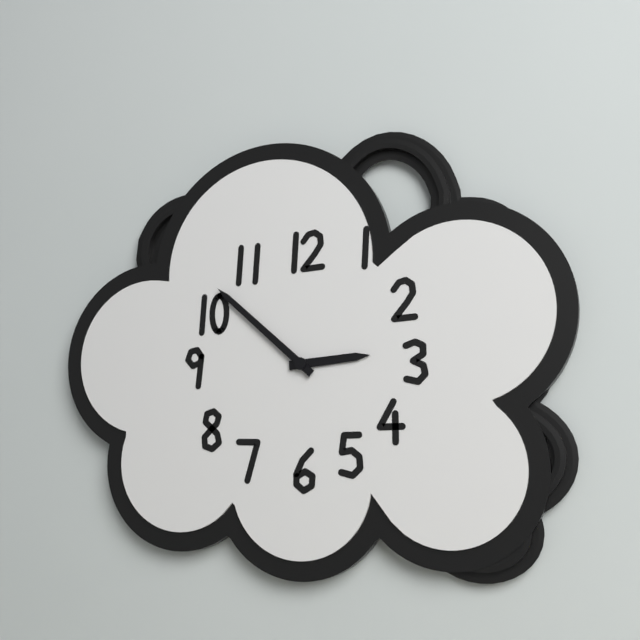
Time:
h=2 m=52
